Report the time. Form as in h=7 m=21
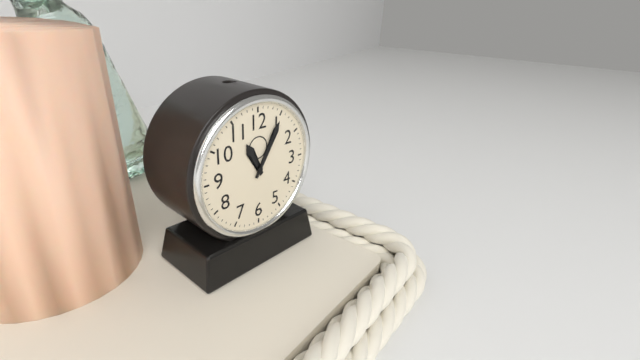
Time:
h=11 m=5
